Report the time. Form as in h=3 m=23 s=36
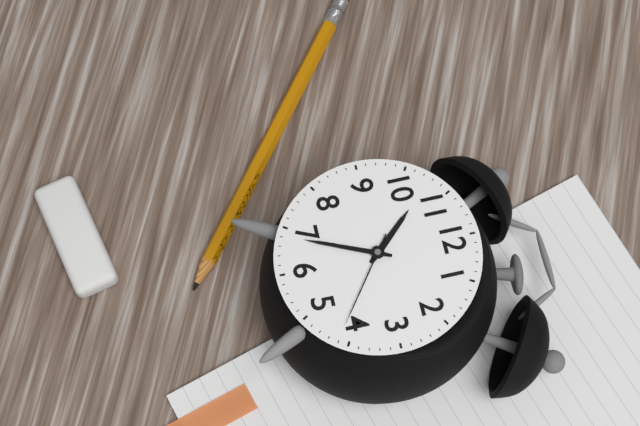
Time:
h=10 m=34 s=21
